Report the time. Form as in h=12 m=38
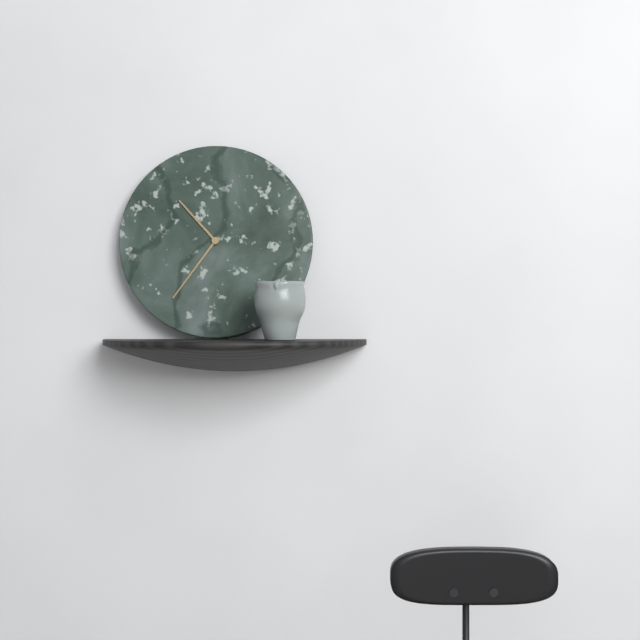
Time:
h=10 m=36
